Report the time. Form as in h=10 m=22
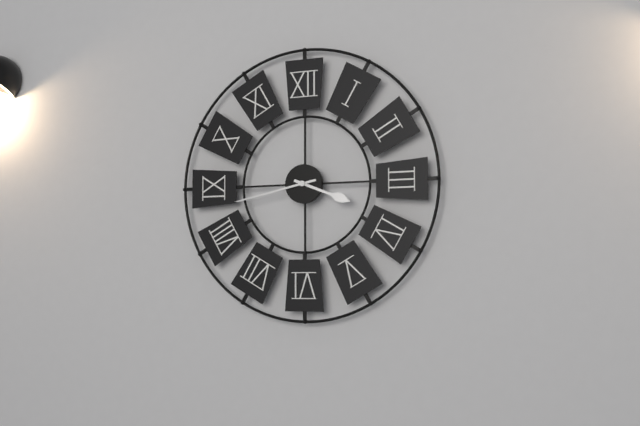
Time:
h=3 m=43
